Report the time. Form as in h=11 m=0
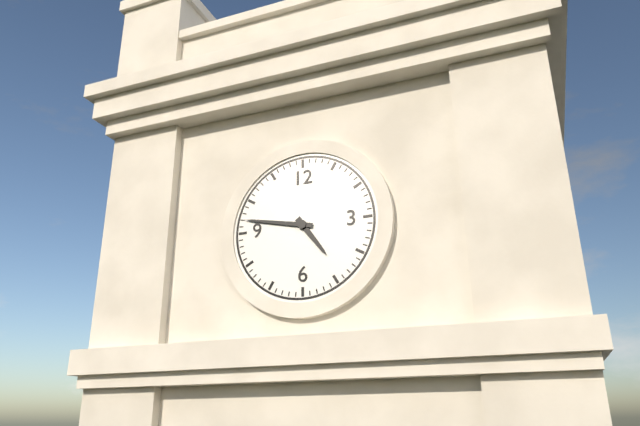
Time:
h=4 m=47
